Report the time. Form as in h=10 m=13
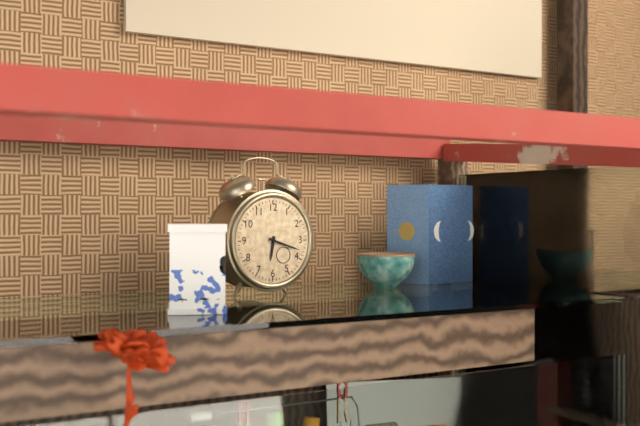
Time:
h=6 m=18
